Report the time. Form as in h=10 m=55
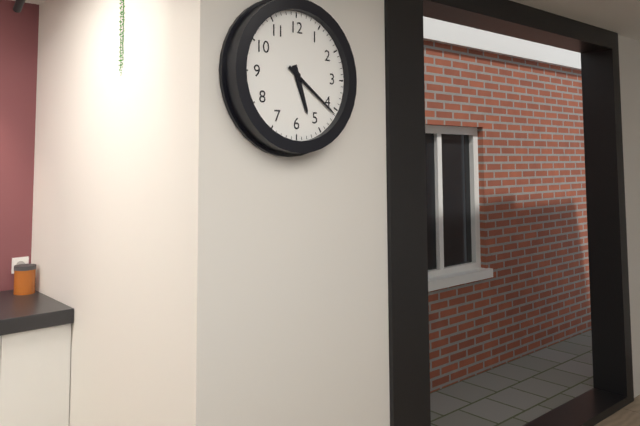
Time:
h=5 m=21
